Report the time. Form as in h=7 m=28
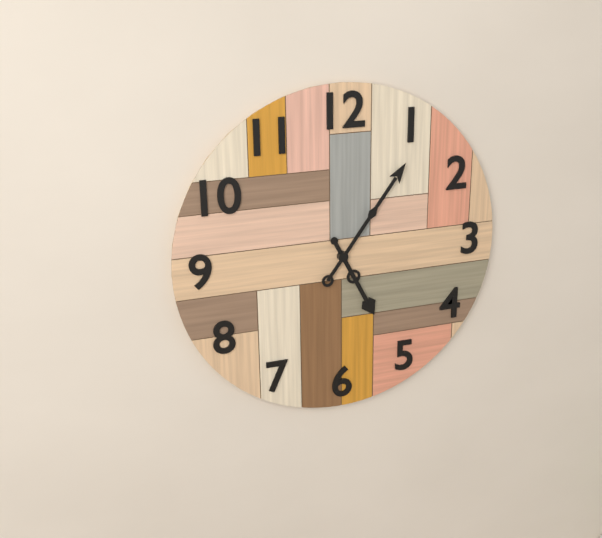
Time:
h=5 m=6
